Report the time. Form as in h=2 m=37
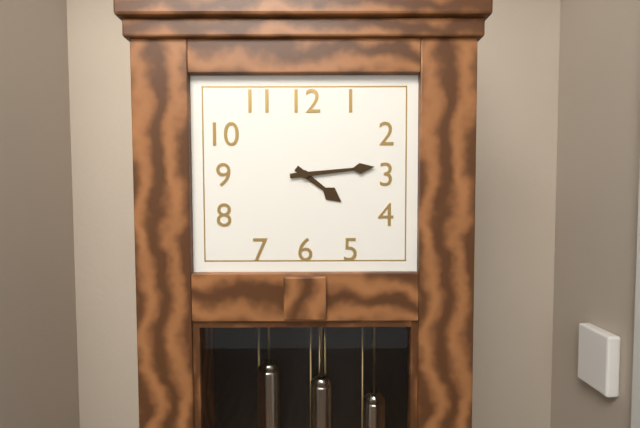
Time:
h=4 m=14
